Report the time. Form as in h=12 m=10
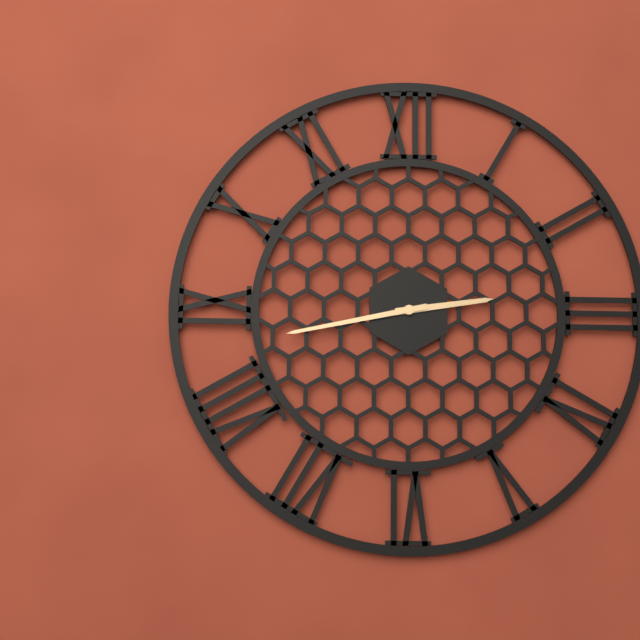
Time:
h=2 m=43
